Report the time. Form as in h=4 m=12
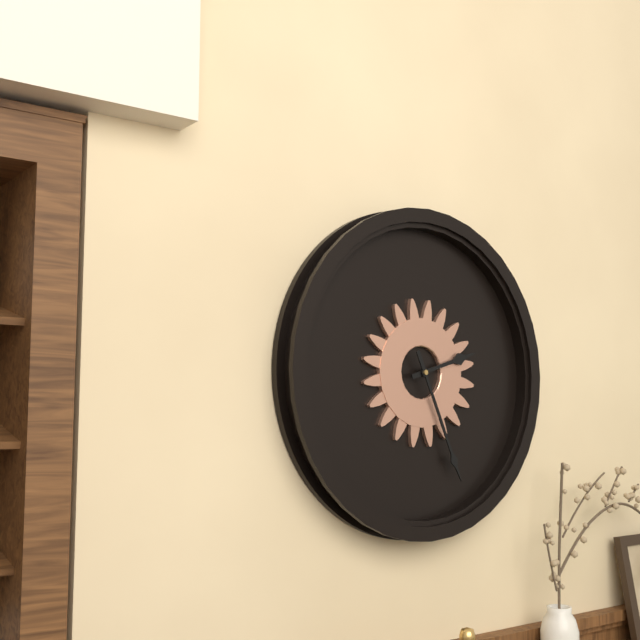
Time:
h=2 m=26
